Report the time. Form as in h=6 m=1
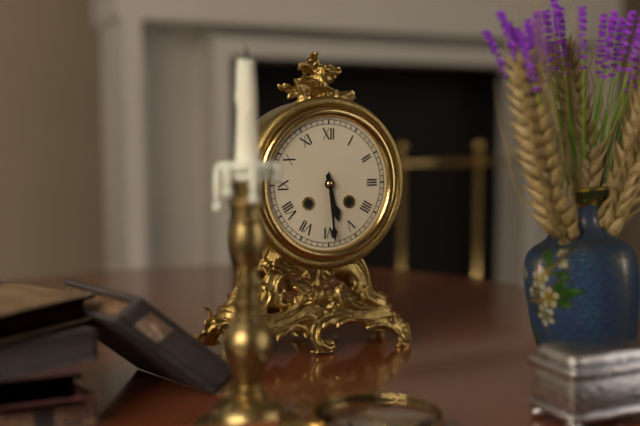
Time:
h=5 m=29
